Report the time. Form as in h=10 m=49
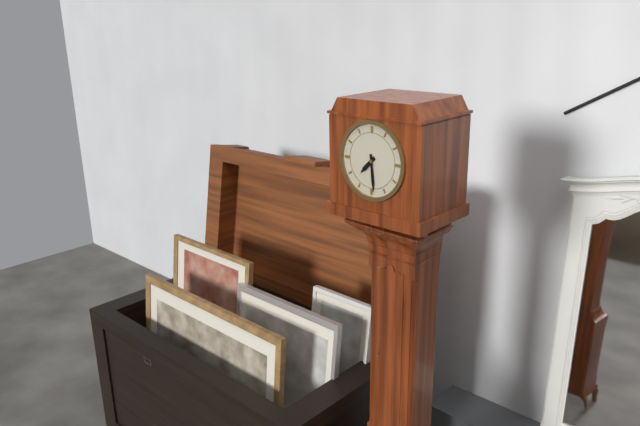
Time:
h=7 m=29
